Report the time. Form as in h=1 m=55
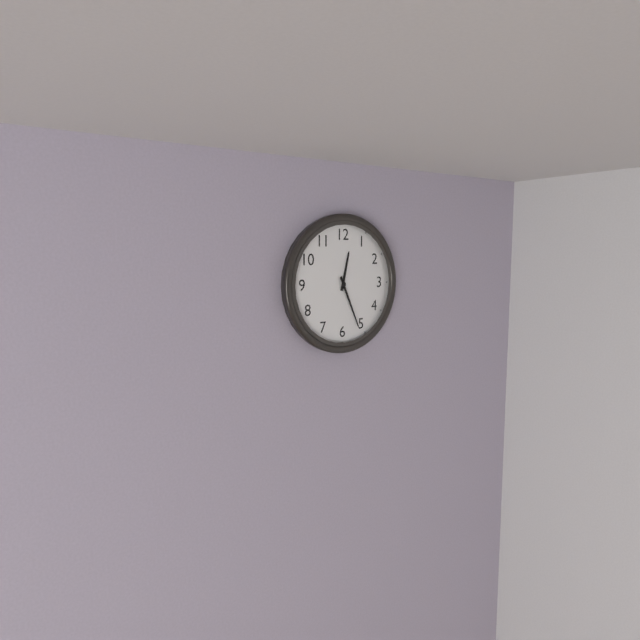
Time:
h=12 m=26
